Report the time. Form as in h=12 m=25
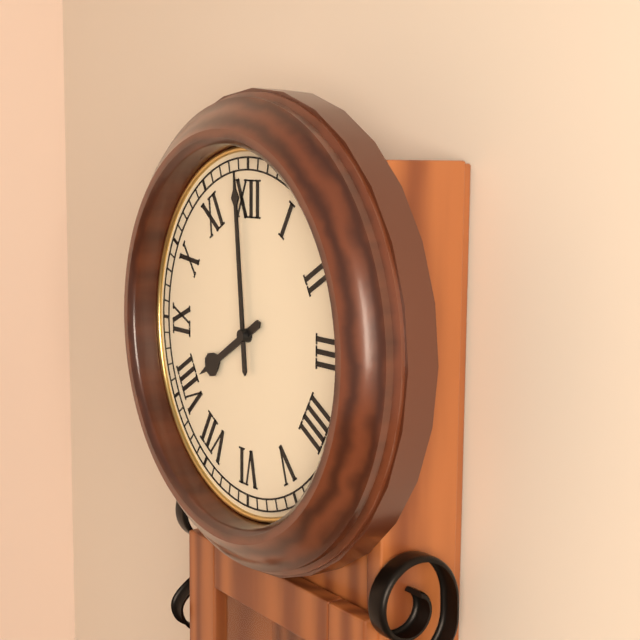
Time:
h=7 m=59
